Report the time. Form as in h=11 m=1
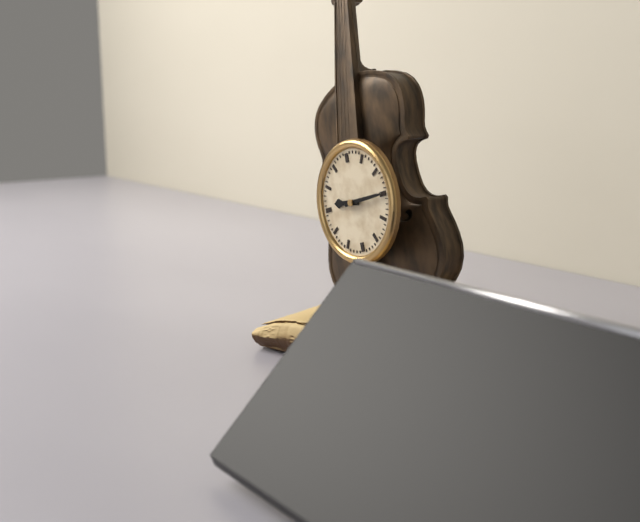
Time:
h=9 m=15
